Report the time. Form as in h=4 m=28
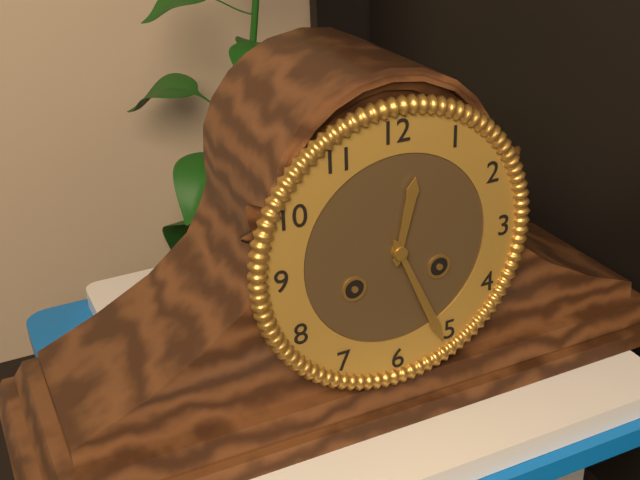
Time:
h=12 m=26
